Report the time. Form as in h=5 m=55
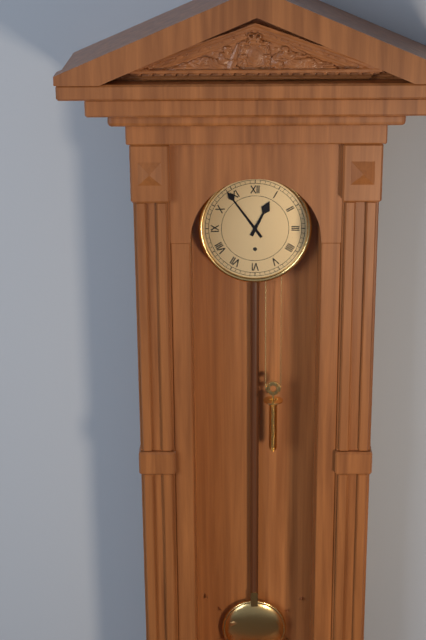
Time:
h=12 m=54
